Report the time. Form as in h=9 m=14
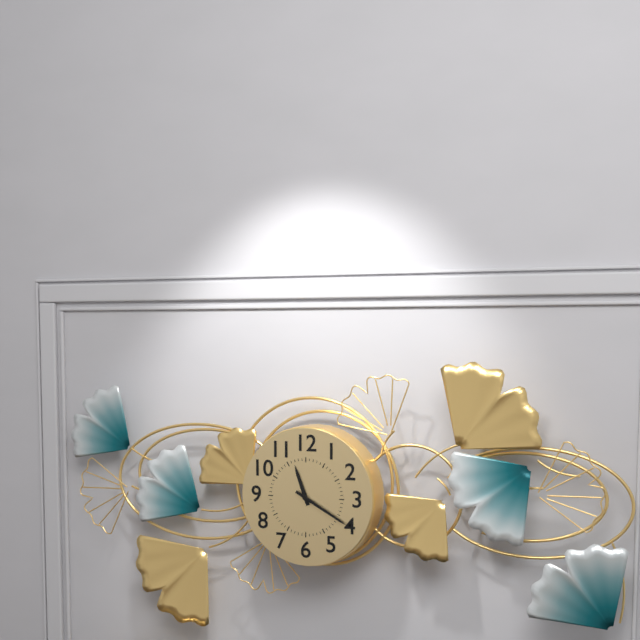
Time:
h=11 m=20
